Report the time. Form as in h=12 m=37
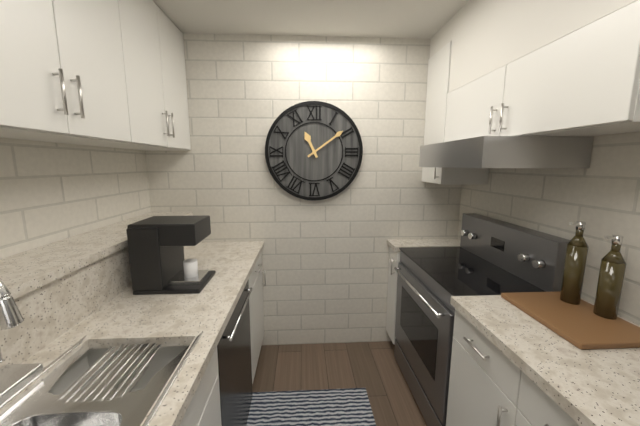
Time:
h=11 m=9
